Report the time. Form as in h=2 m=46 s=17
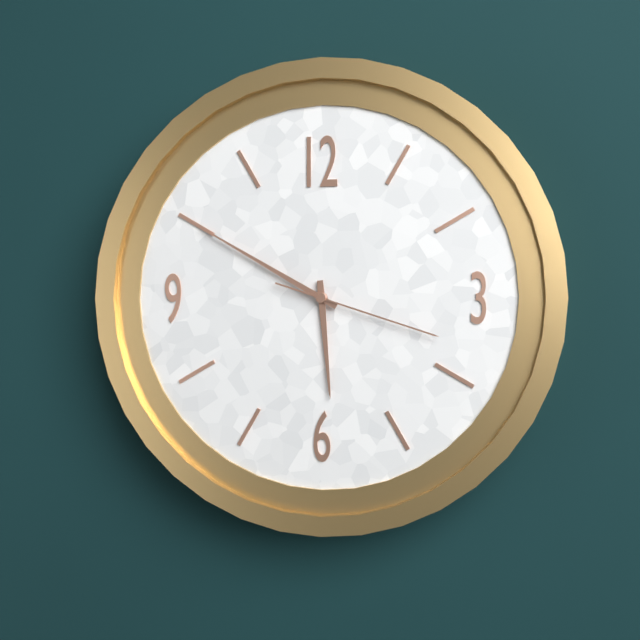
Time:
h=5 m=50 s=18
